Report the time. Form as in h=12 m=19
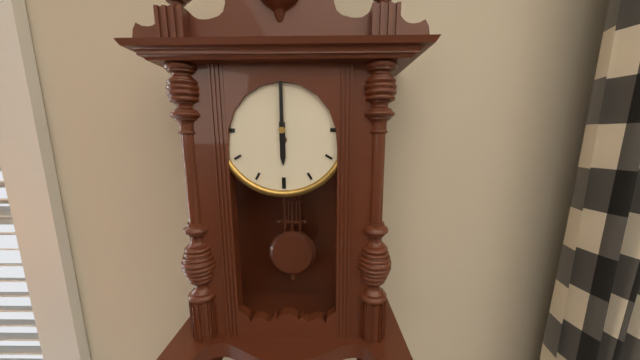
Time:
h=6 m=0
